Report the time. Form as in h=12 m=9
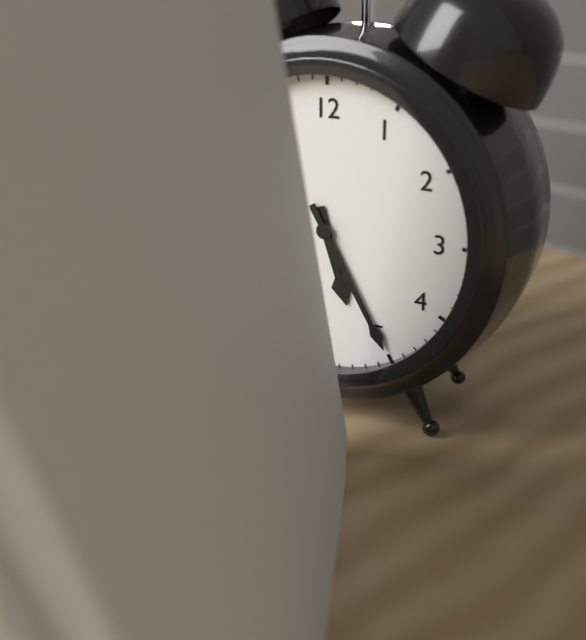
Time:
h=5 m=25
